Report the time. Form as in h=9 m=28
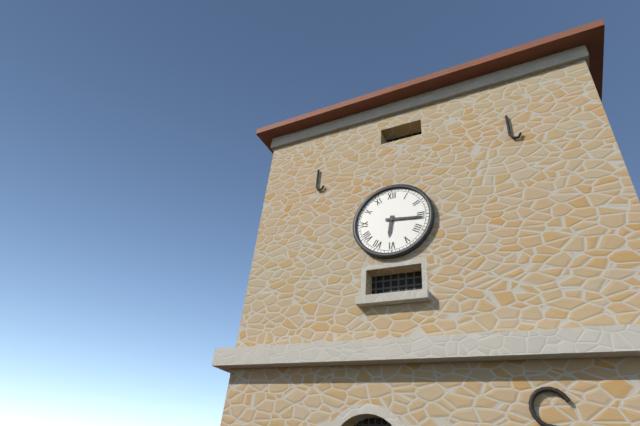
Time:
h=6 m=16
